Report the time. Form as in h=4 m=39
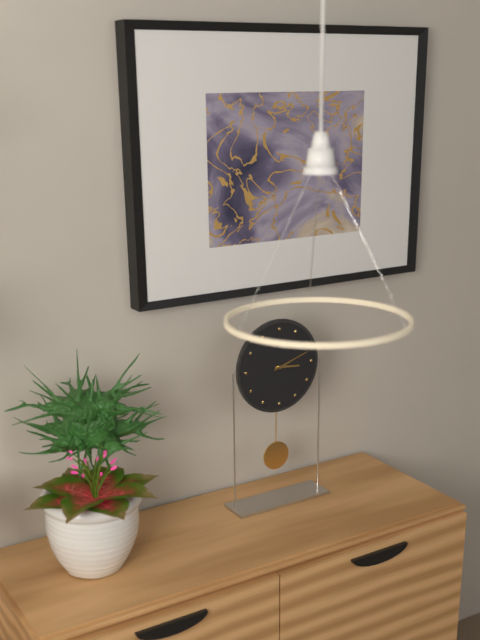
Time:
h=3 m=12
